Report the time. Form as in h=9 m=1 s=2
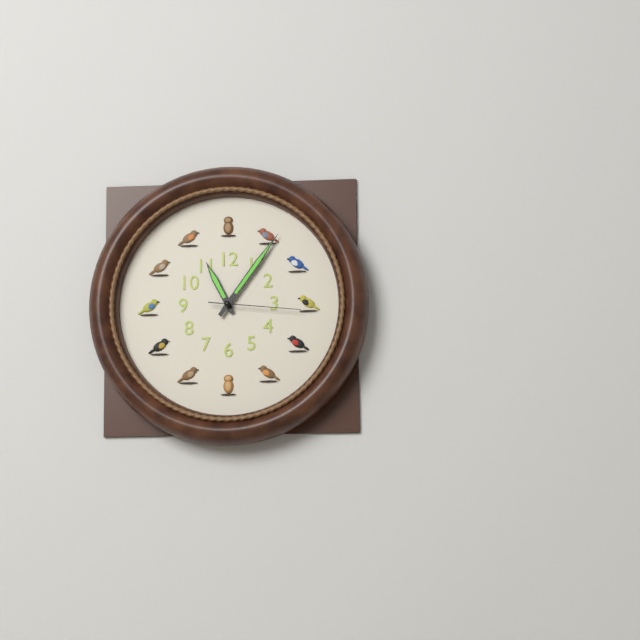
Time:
h=11 m=6 s=16
